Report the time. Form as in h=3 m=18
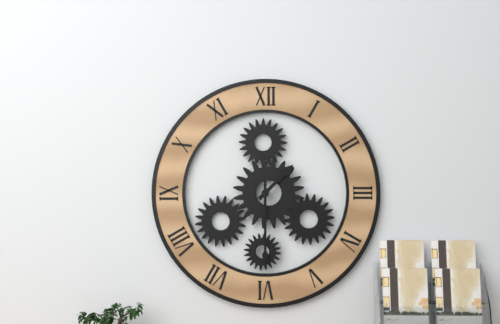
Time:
h=1 m=30
